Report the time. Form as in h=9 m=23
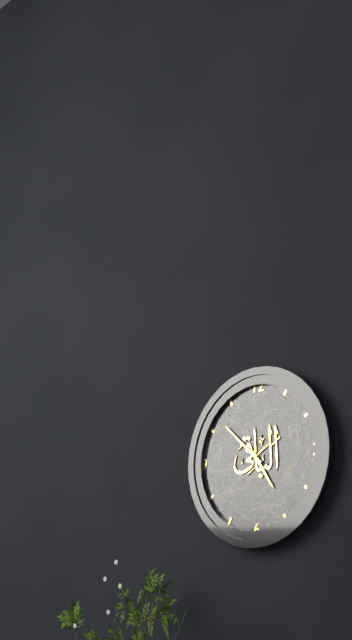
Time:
h=4 m=52
